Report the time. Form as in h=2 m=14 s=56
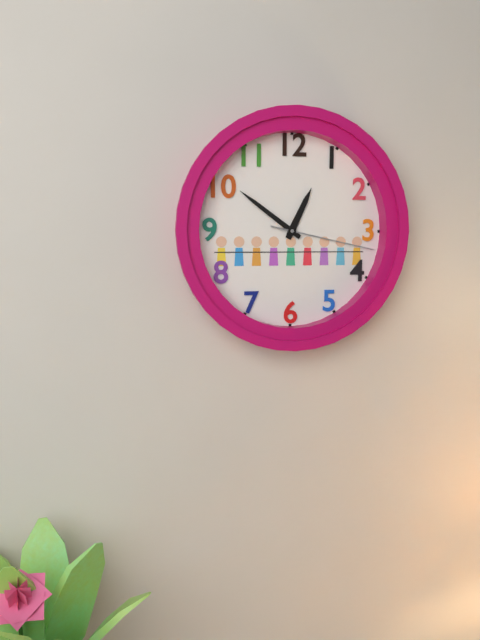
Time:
h=12 m=51 s=17
